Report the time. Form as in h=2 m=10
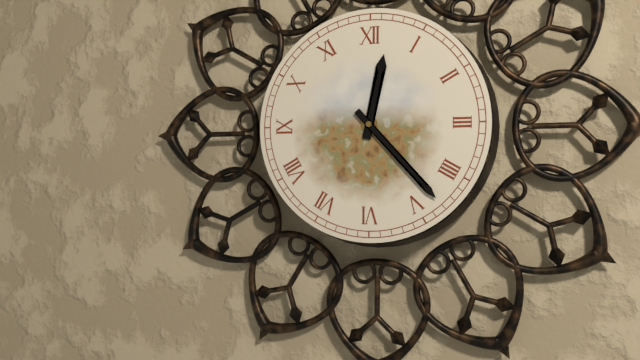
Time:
h=12 m=23
